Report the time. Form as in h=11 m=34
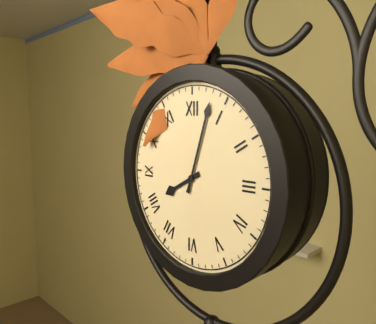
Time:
h=8 m=3
